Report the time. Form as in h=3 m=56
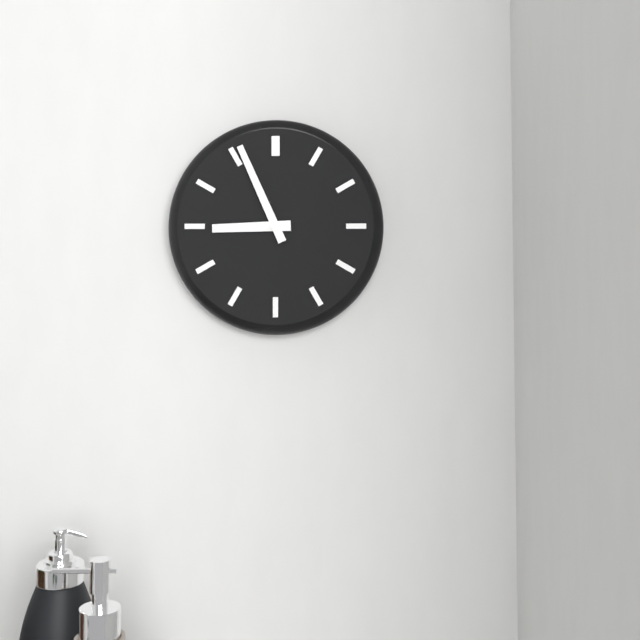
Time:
h=8 m=56
